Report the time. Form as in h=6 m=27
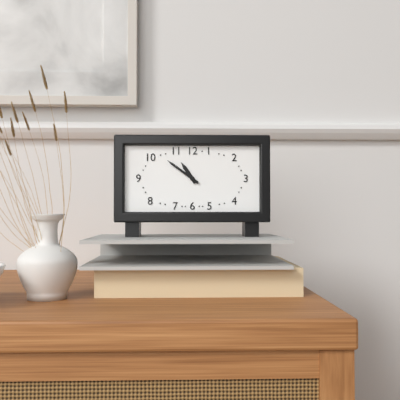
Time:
h=10 m=51
